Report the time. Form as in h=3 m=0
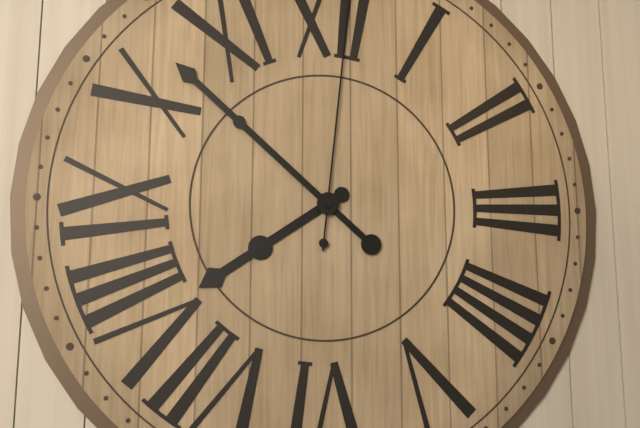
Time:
h=7 m=52
